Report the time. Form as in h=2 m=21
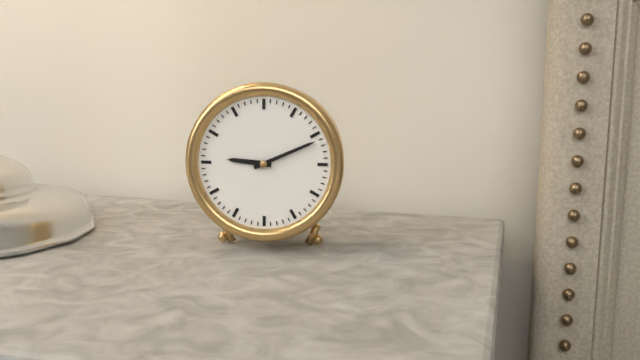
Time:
h=9 m=11
